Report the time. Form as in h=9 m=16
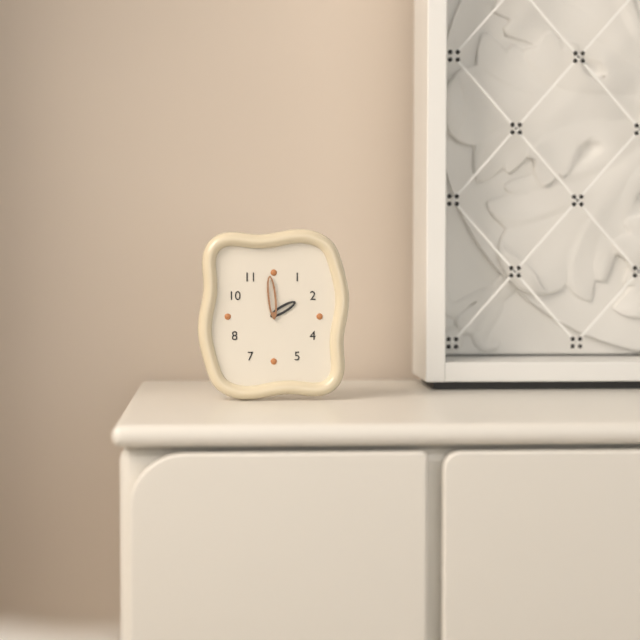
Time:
h=1 m=59
